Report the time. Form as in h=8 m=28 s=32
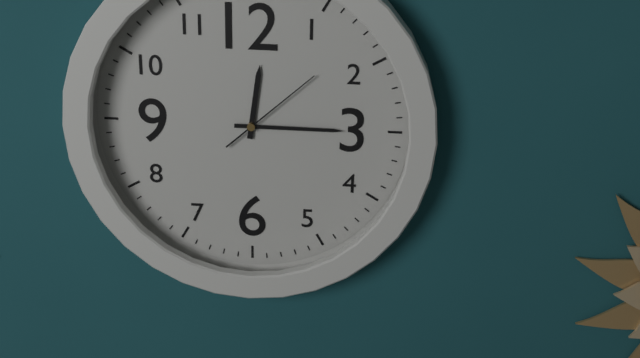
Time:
h=12 m=15 s=8
